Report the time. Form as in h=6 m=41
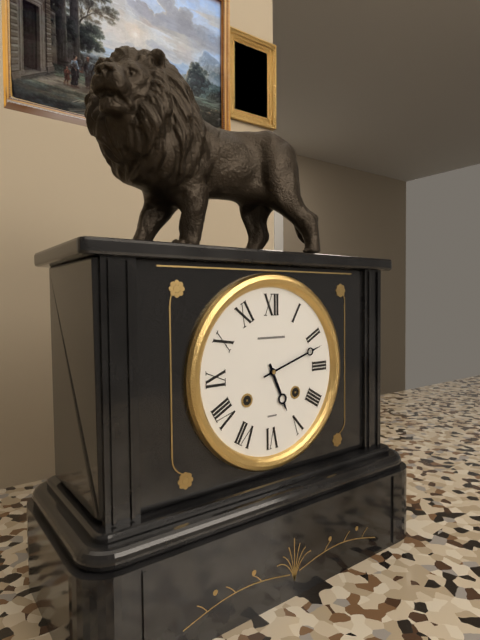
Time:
h=5 m=12
